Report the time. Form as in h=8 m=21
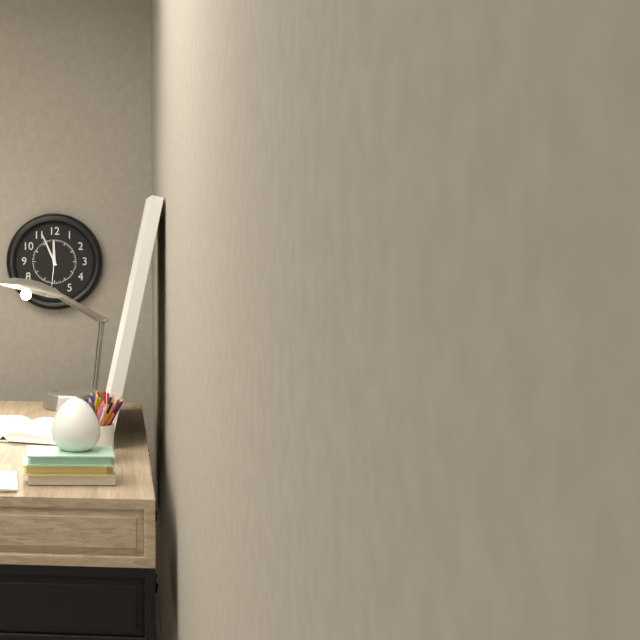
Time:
h=11 m=56
